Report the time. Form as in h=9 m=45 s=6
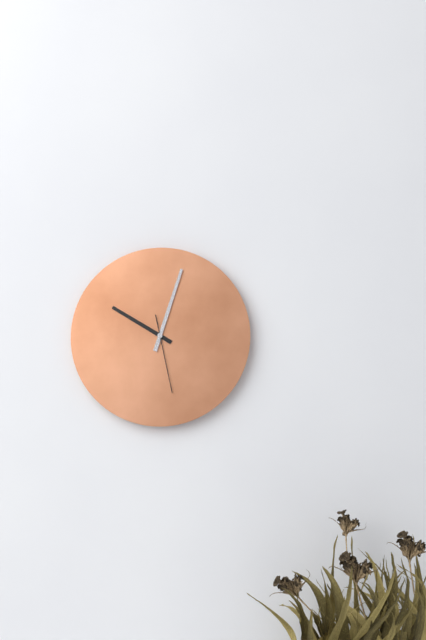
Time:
h=10 m=3 s=28
